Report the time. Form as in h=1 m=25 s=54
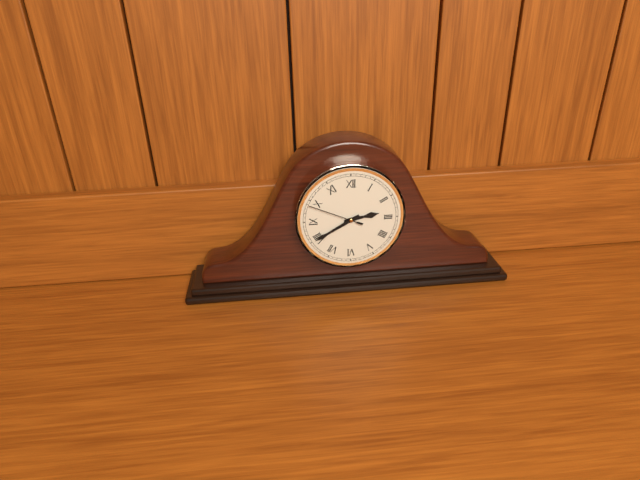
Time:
h=2 m=40 s=49
